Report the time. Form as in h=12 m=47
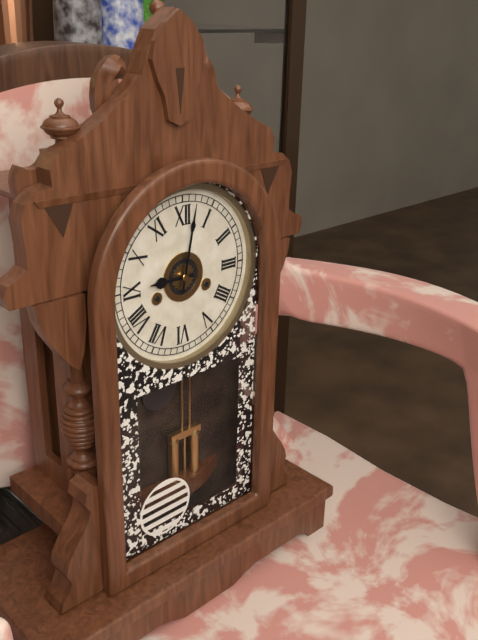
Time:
h=9 m=2
